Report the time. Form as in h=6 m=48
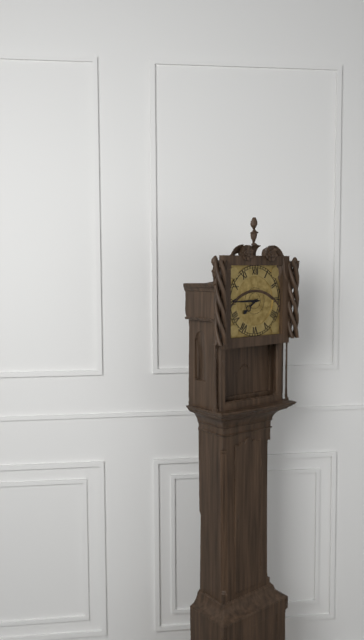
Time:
h=7 m=45
